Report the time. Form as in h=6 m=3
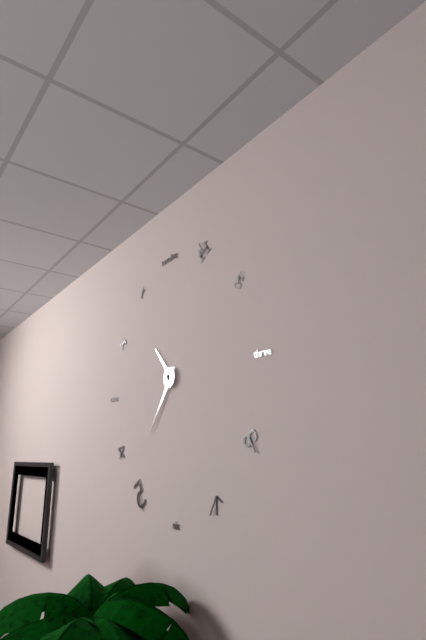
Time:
h=10 m=36
